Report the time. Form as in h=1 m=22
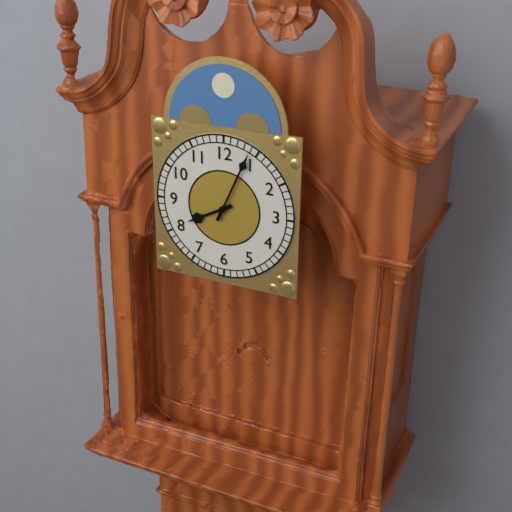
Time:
h=8 m=4
